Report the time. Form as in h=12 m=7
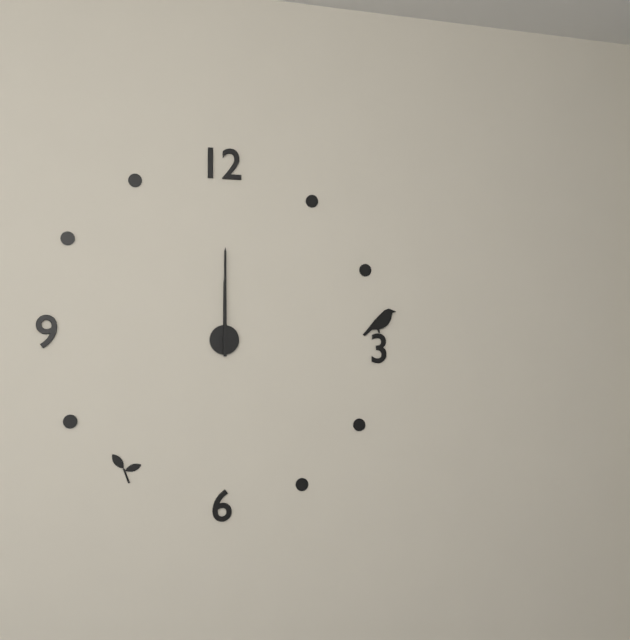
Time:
h=12 m=0
